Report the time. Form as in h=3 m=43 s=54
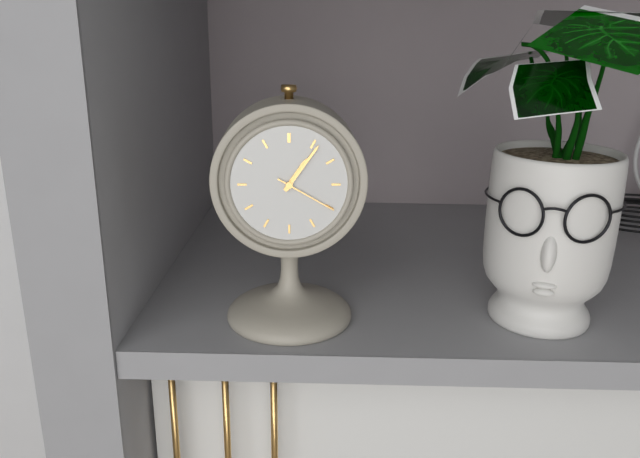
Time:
h=1 m=6 s=20
